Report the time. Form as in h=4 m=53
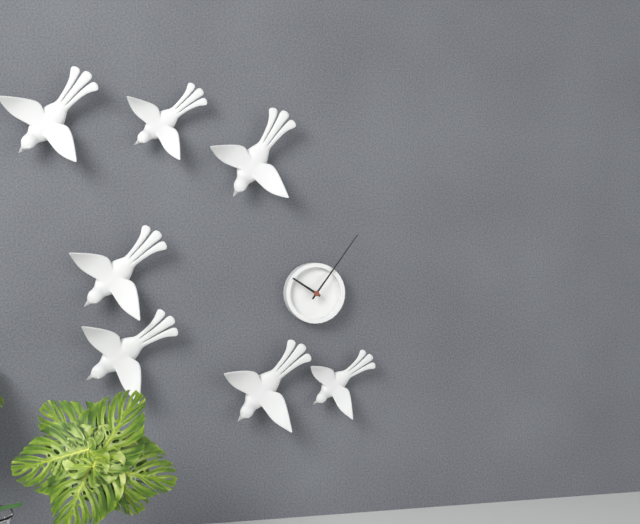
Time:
h=10 m=6
